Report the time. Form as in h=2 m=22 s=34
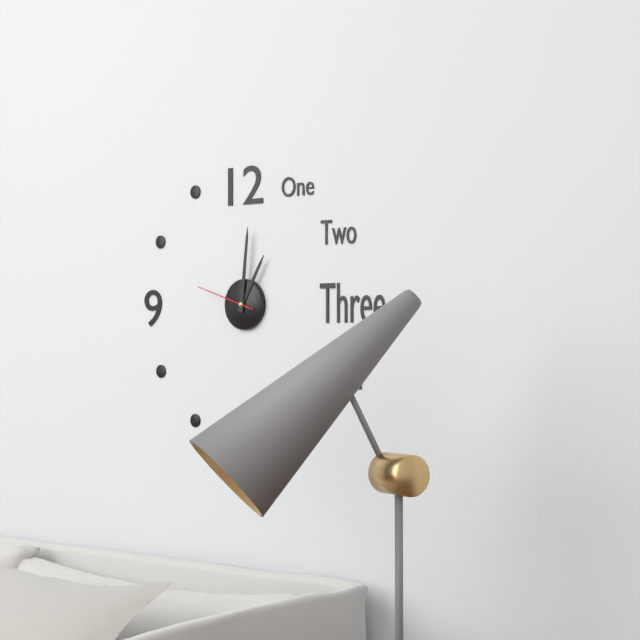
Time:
h=1 m=1 s=48
